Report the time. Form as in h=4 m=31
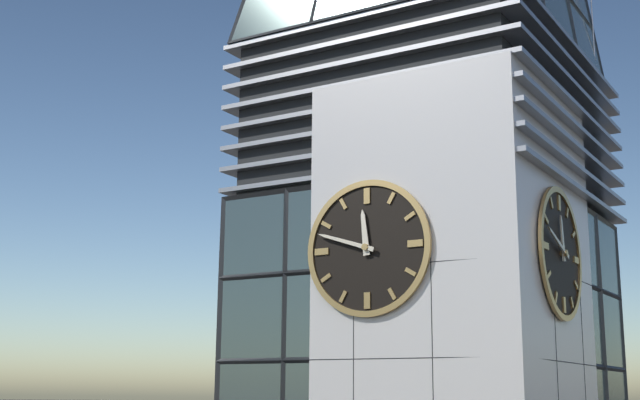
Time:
h=11 m=48
